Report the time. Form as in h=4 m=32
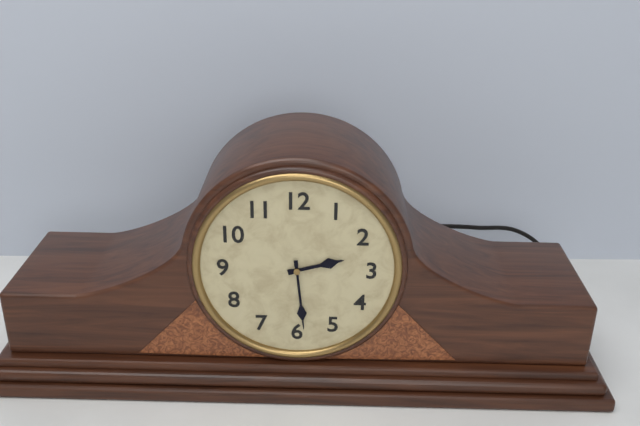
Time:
h=2 m=29
